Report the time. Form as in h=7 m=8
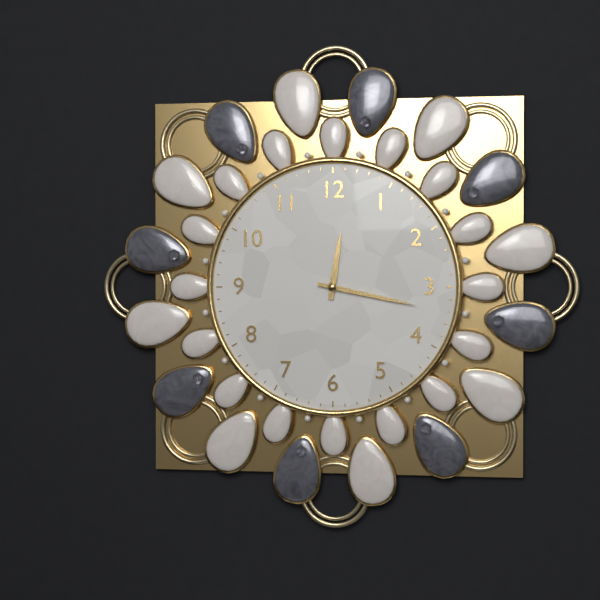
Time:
h=12 m=17
